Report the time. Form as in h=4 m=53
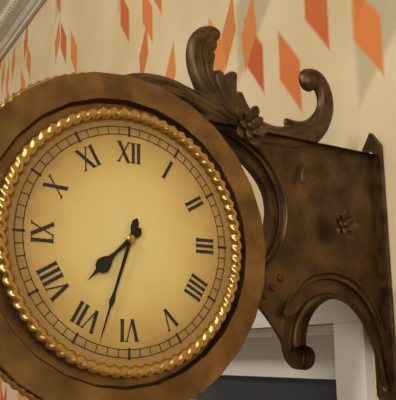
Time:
h=7 m=33
